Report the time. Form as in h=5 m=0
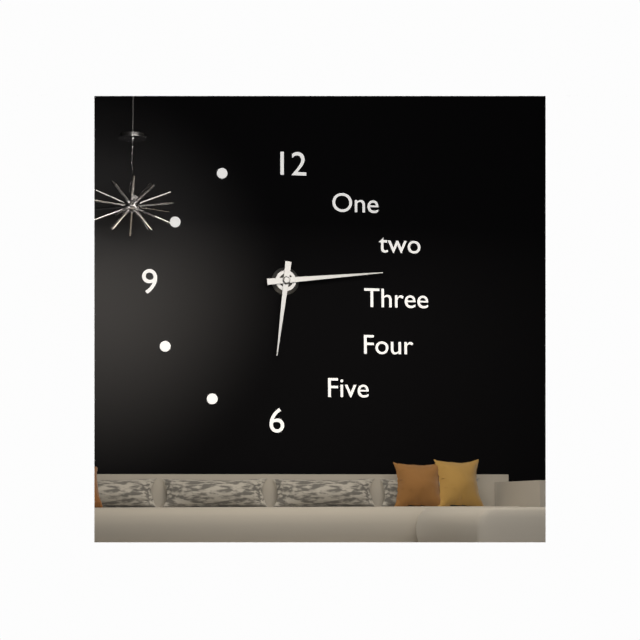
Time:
h=6 m=14
